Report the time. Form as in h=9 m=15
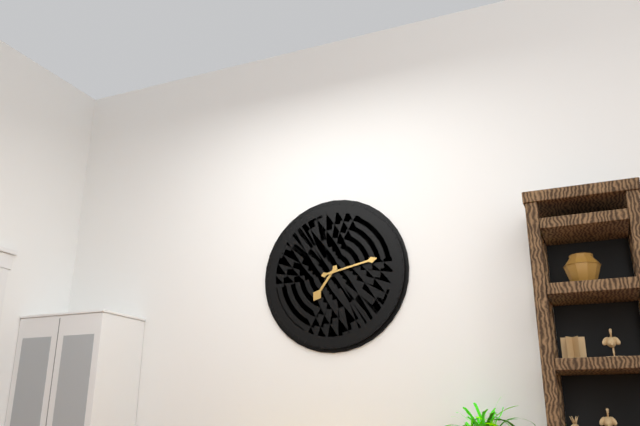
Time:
h=7 m=13
